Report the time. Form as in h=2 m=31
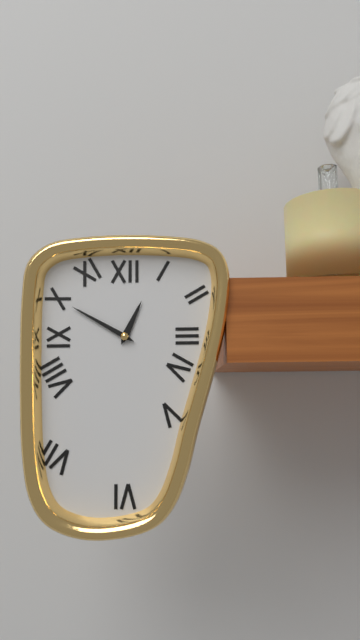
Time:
h=12 m=50
